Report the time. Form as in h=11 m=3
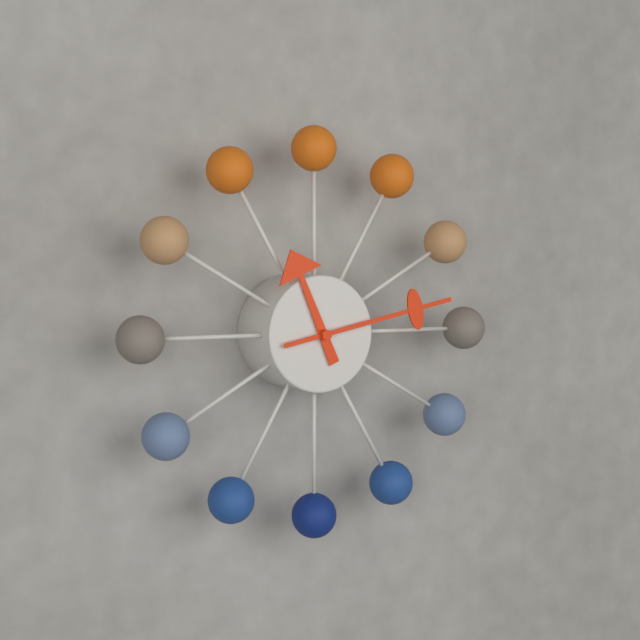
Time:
h=11 m=13
